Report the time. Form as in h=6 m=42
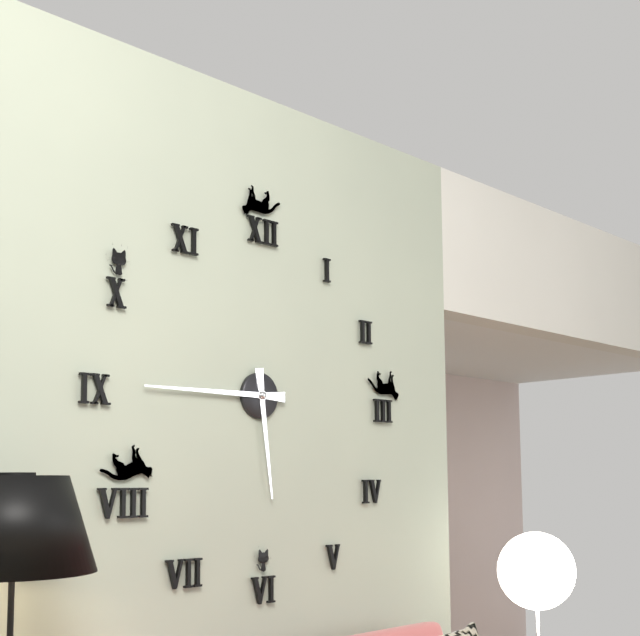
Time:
h=5 m=45
